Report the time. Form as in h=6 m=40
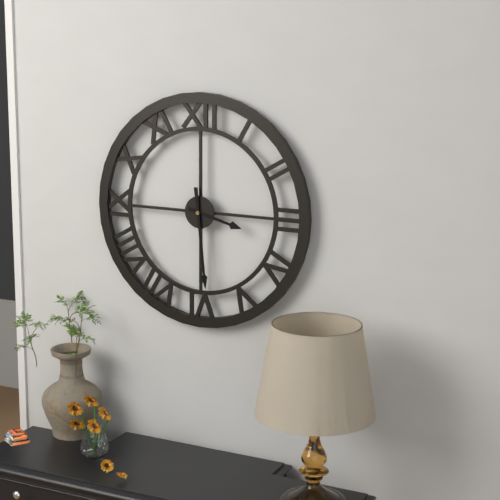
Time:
h=3 m=29
